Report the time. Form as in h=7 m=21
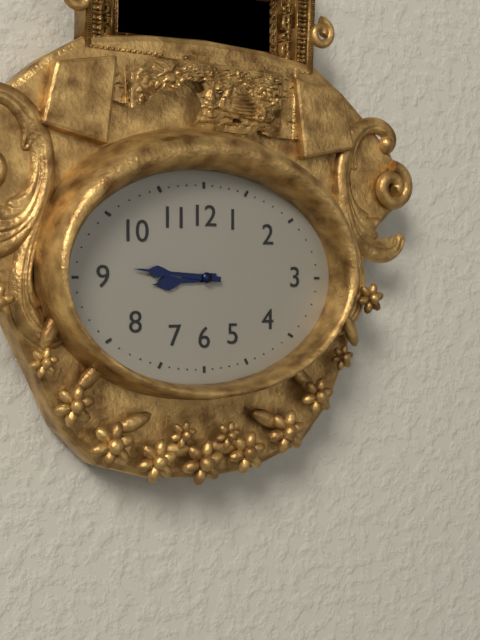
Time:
h=8 m=46
